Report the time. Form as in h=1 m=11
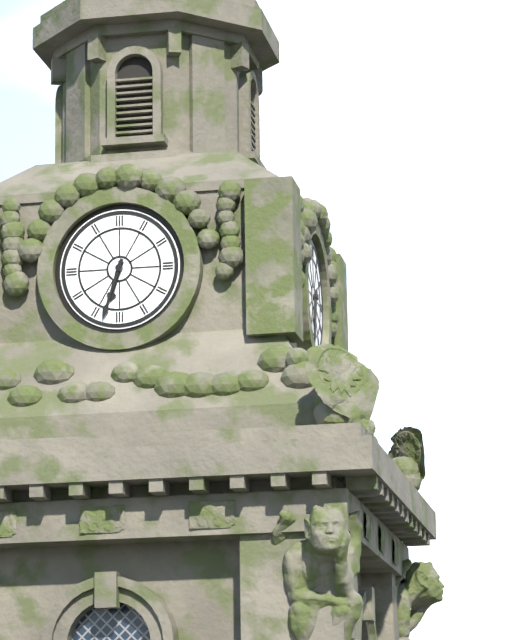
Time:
h=6 m=33
